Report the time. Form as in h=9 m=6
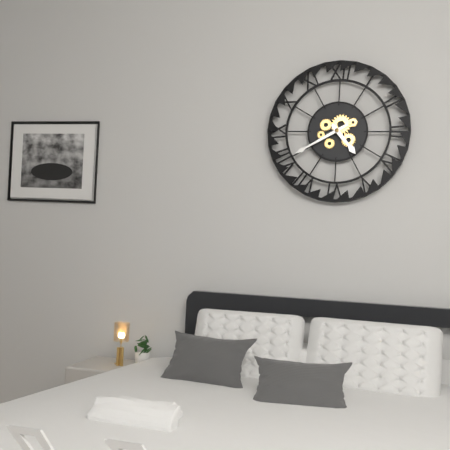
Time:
h=4 m=40
